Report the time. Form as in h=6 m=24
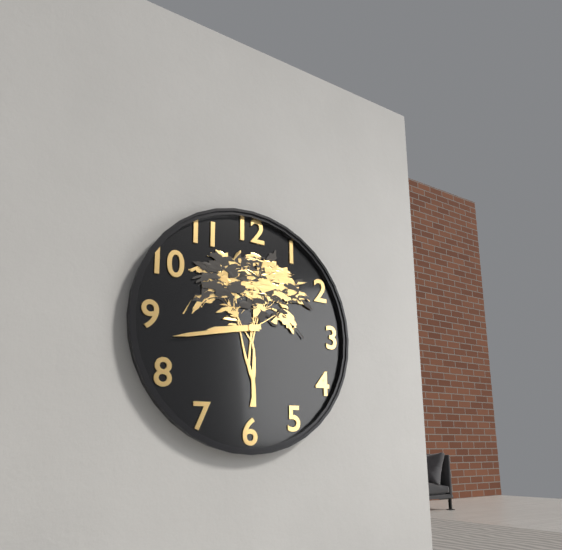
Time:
h=8 m=43
